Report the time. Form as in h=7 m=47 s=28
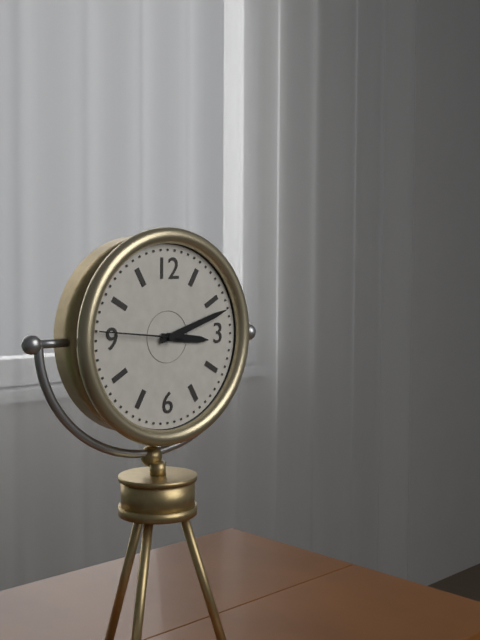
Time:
h=3 m=12 s=46
